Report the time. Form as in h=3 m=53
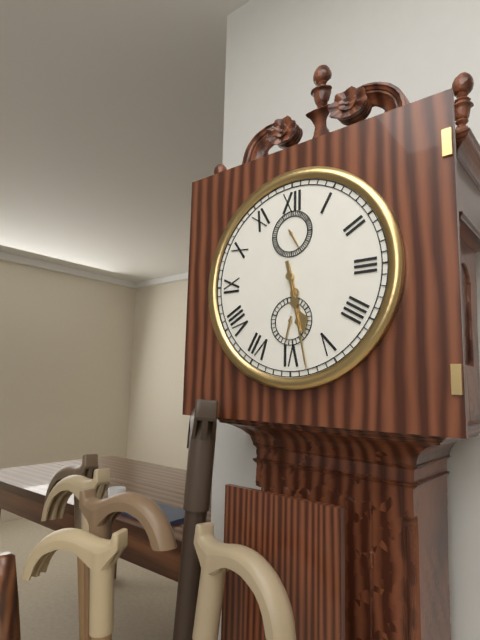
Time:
h=5 m=28
